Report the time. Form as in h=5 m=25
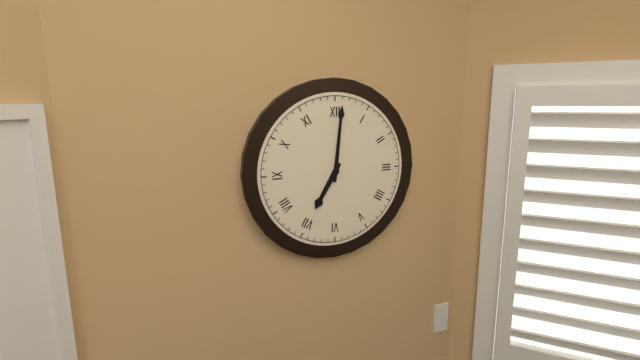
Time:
h=7 m=1
